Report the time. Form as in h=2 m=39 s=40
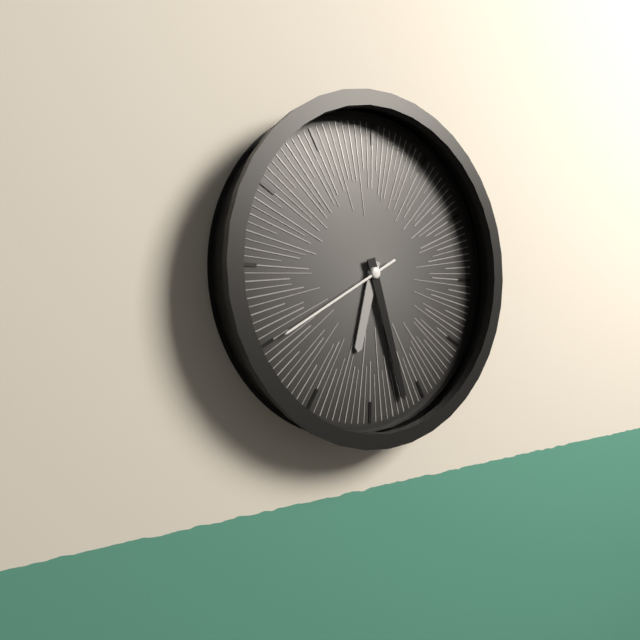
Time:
h=6 m=27 s=40
